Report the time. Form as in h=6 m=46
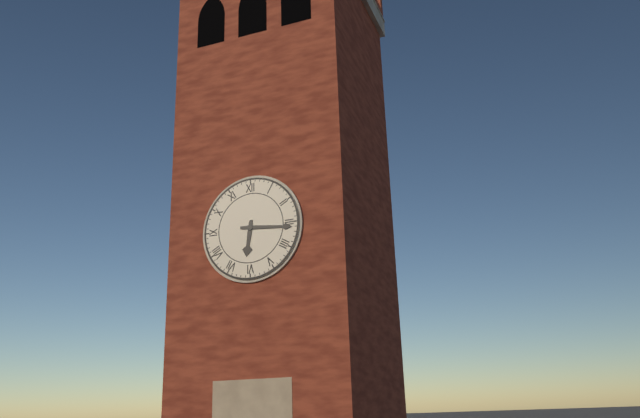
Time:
h=6 m=16
